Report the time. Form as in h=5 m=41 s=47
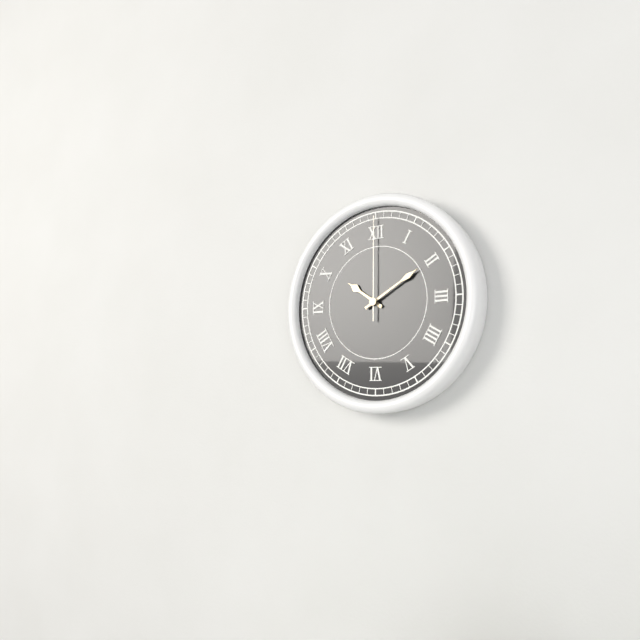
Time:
h=10 m=10 s=0
